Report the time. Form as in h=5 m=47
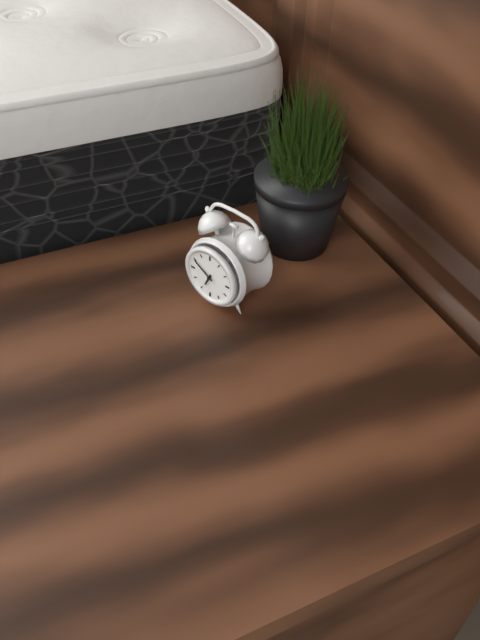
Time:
h=6 m=50
